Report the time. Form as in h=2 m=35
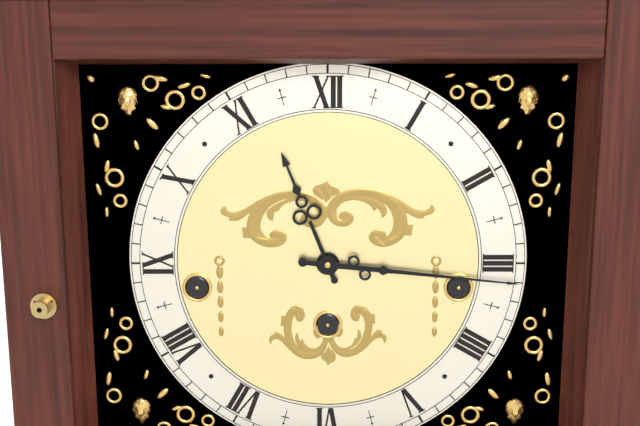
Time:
h=11 m=16
